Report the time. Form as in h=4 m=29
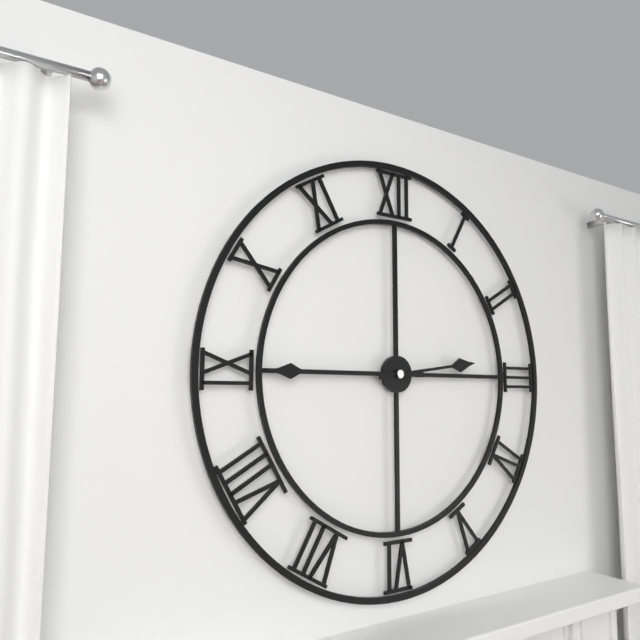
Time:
h=2 m=45
